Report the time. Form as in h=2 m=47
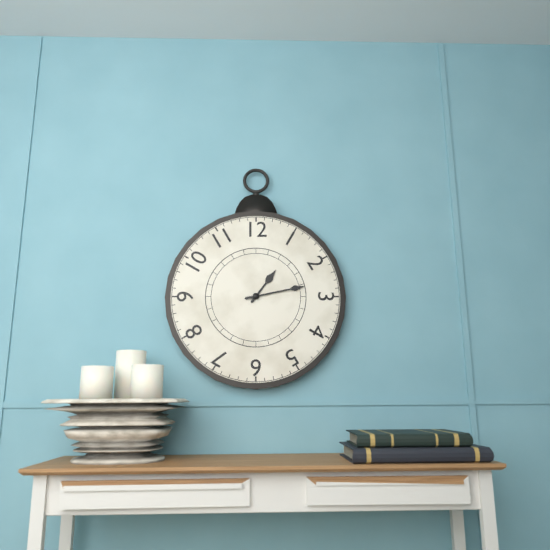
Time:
h=1 m=13
